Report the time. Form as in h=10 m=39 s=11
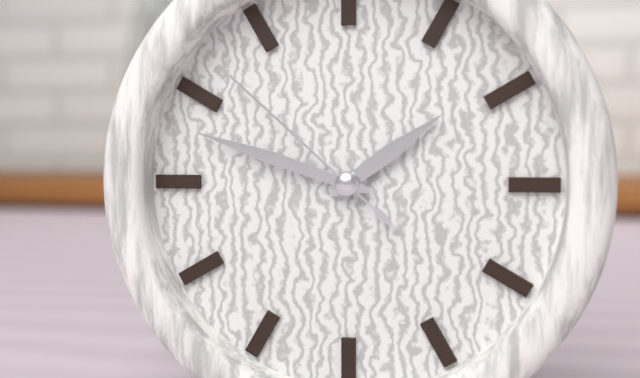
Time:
h=1 m=48 s=52
